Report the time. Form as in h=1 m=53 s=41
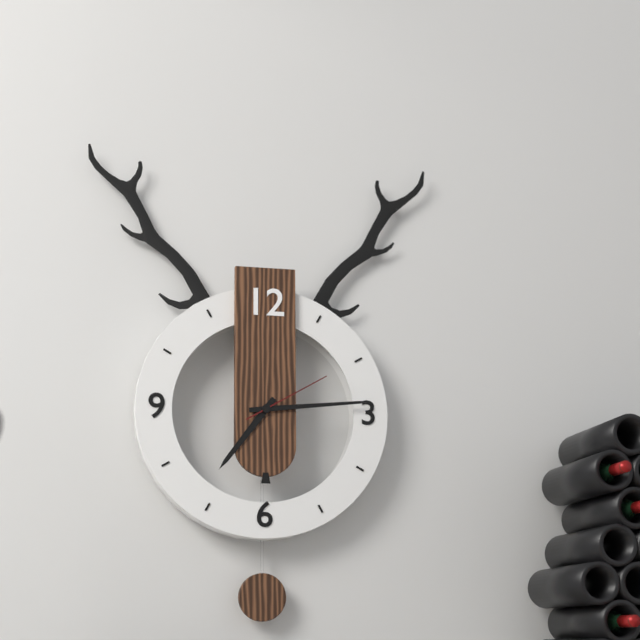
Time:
h=7 m=14 s=10
